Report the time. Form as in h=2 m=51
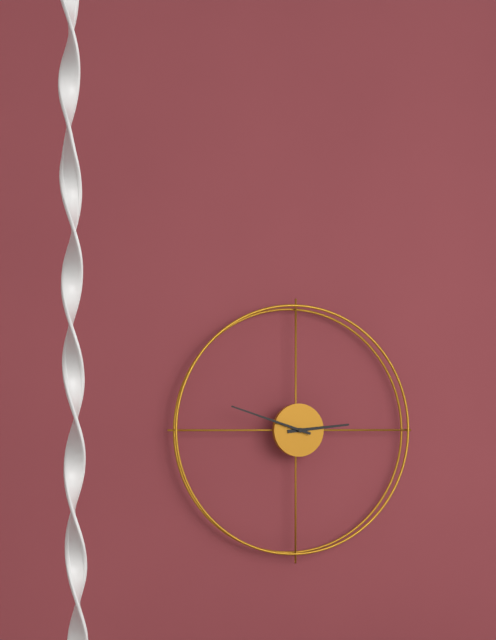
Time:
h=2 m=48
